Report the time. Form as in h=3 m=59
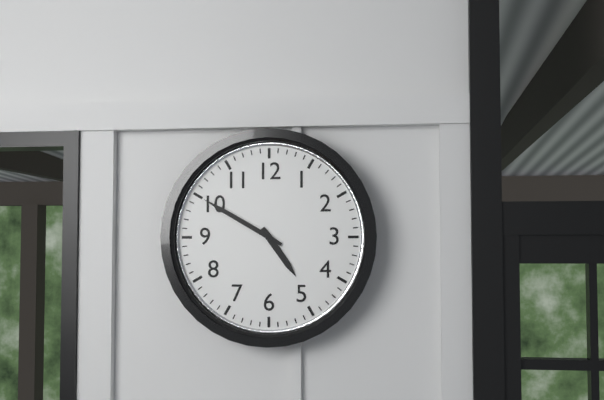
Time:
h=4 m=50
